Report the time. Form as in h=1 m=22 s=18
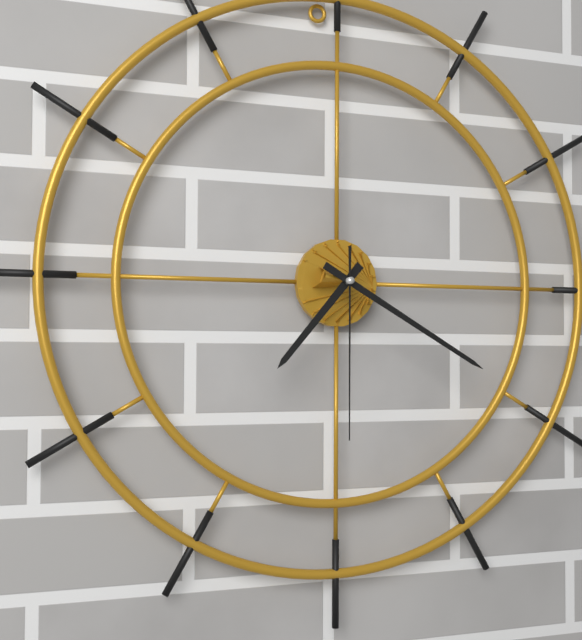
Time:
h=7 m=20 s=30
